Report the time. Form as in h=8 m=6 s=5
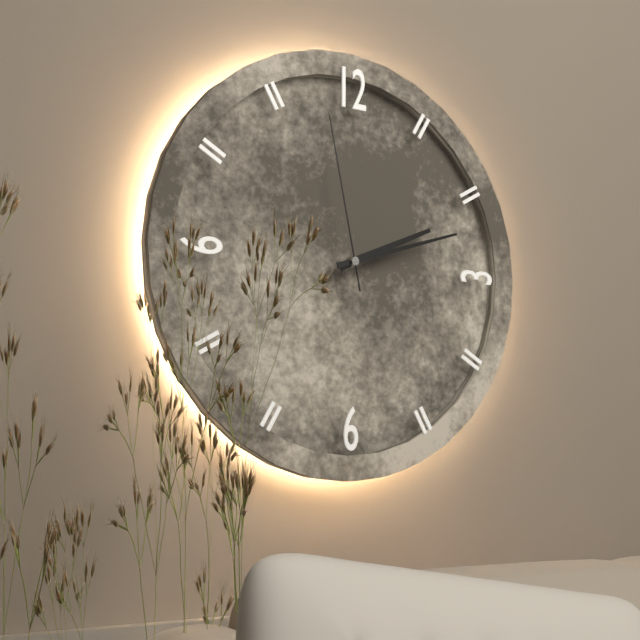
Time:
h=2 m=12 s=58
